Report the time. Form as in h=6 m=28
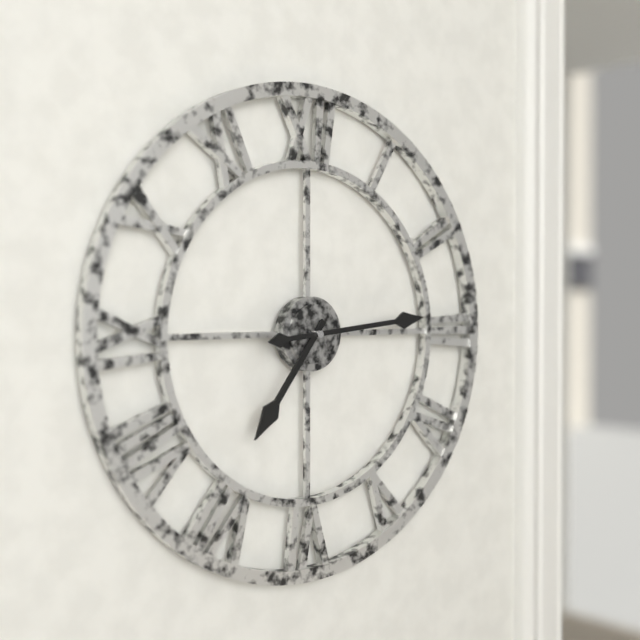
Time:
h=7 m=14
